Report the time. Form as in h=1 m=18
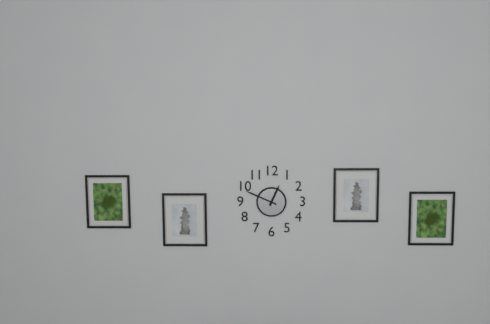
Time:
h=12 m=49
